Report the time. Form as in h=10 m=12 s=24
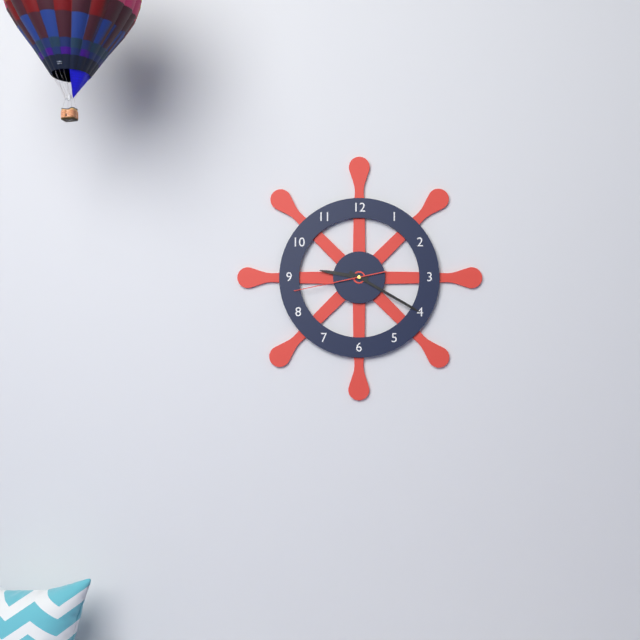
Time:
h=9 m=20 s=43
